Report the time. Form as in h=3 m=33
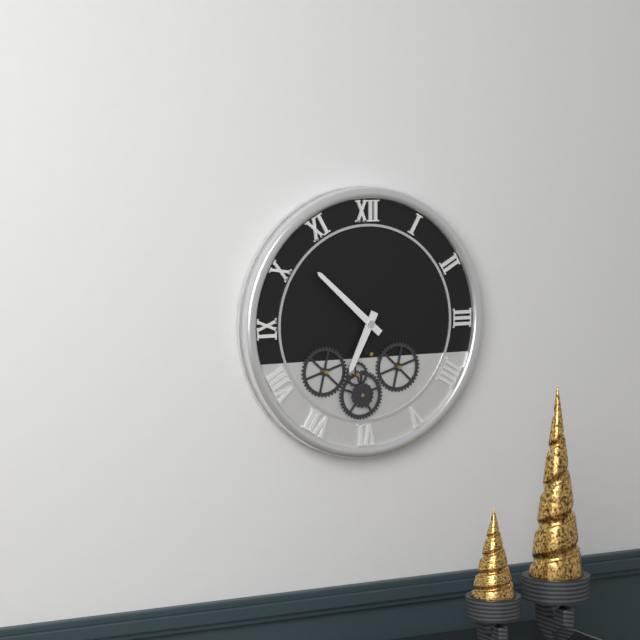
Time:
h=6 m=52
